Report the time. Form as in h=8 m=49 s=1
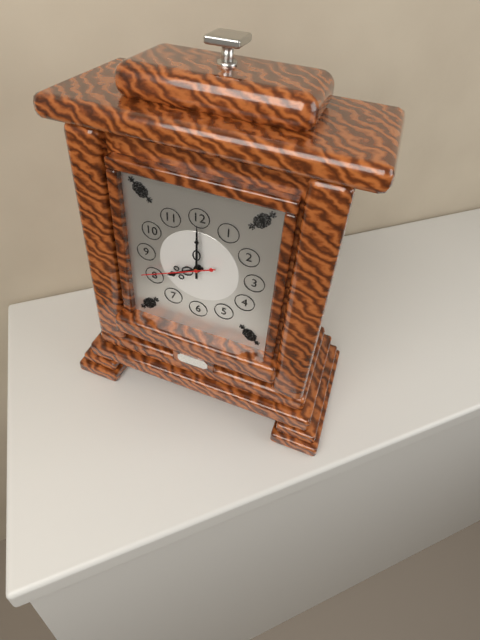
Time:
h=8 m=0 s=41
